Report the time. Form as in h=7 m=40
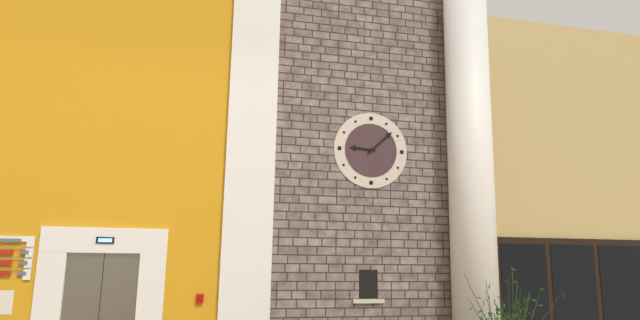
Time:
h=9 m=8
